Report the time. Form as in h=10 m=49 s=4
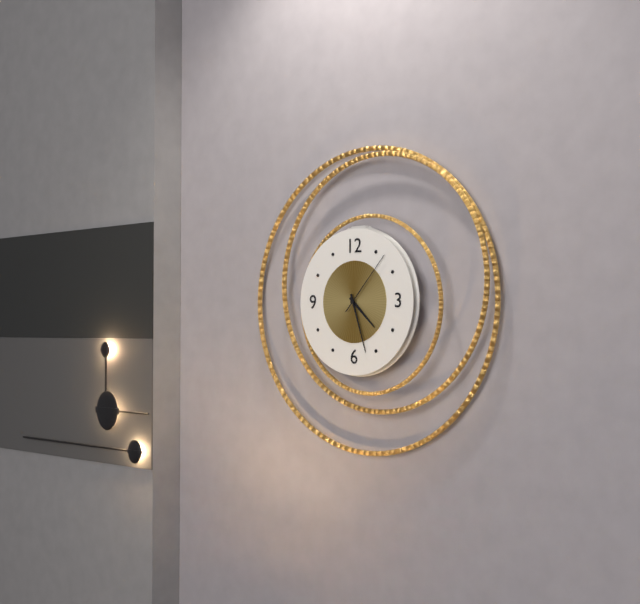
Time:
h=4 m=27 s=7
